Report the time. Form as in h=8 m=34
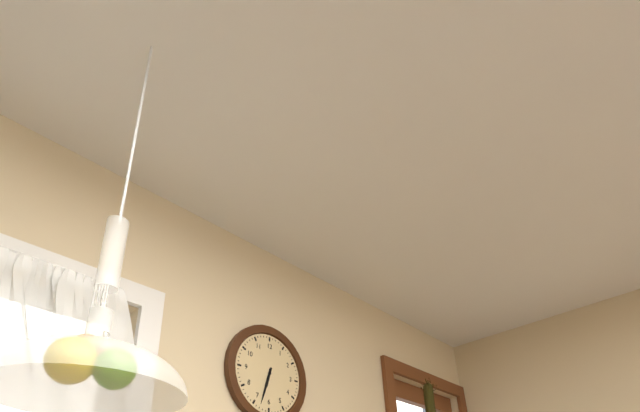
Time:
h=6 m=33
